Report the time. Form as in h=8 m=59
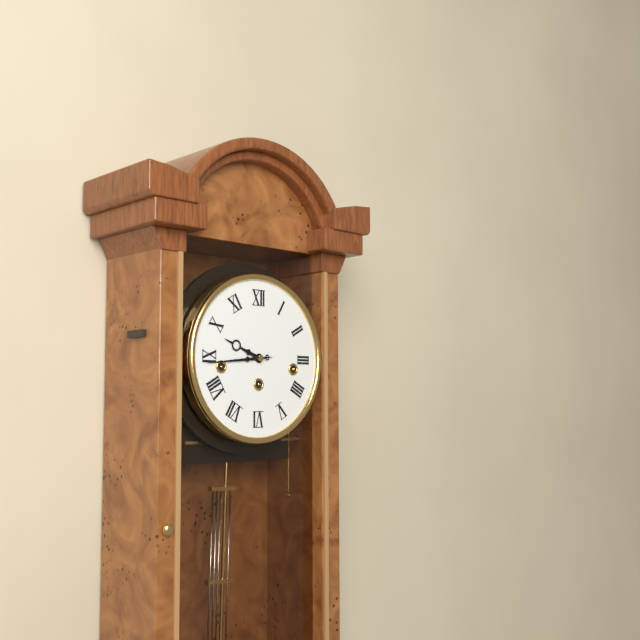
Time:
h=9 m=44
